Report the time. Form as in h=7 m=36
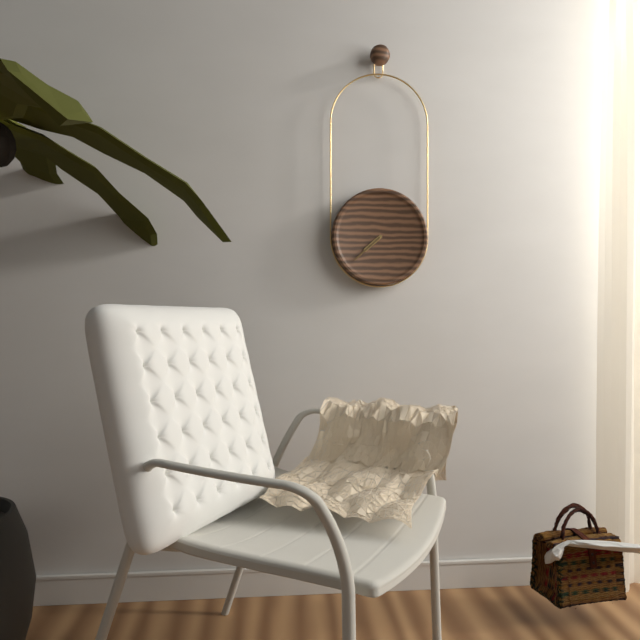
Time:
h=7 m=38
